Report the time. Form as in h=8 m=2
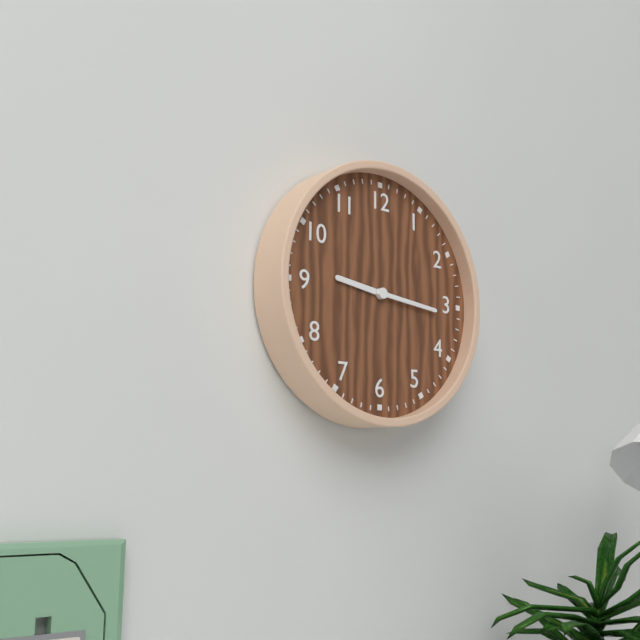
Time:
h=9 m=16
